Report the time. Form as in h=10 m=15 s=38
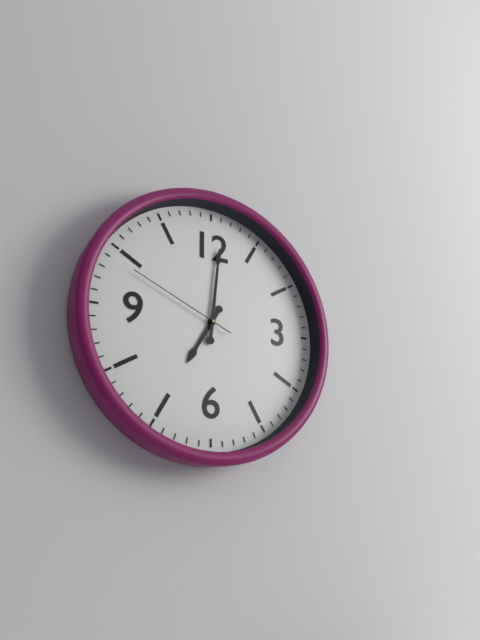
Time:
h=7 m=1 s=49
